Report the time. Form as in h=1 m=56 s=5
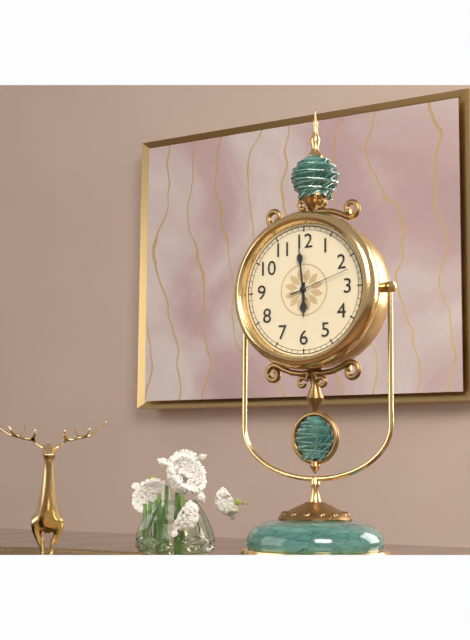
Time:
h=5 m=59 s=12
